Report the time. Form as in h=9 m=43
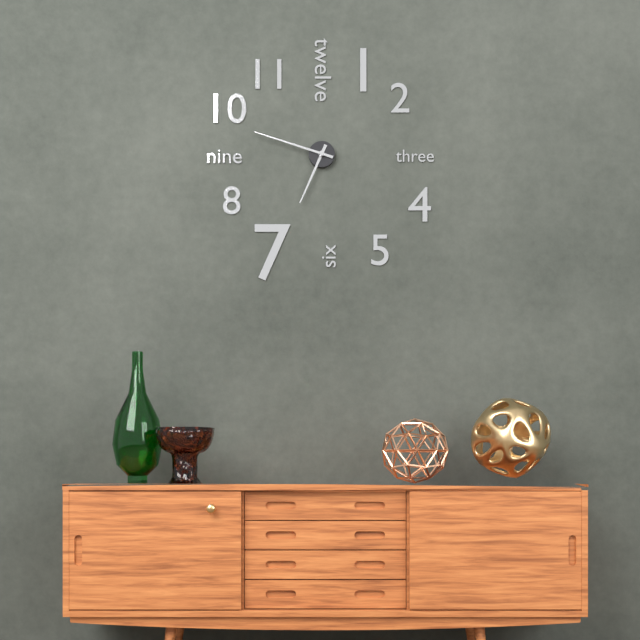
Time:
h=6 m=48
